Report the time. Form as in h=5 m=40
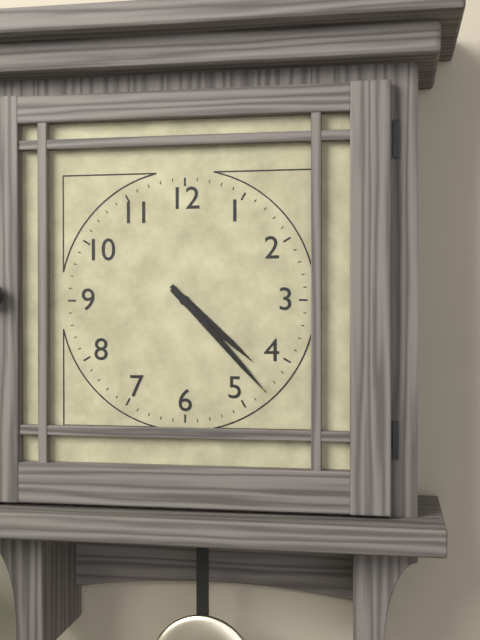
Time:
h=4 m=23
